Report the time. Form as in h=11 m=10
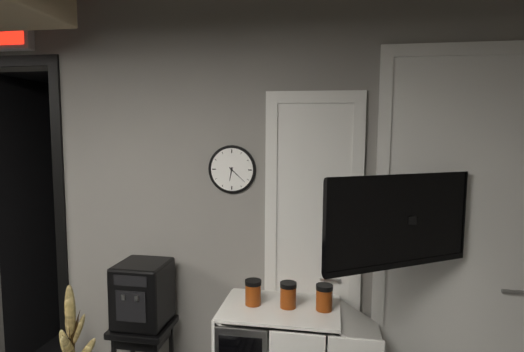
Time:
h=6 m=22
